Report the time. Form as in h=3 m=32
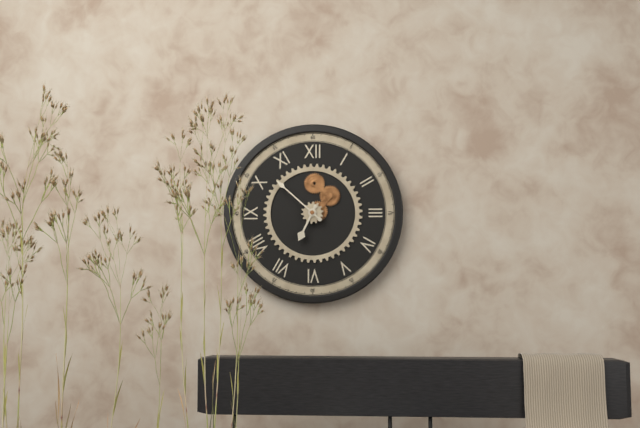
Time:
h=6 m=52
